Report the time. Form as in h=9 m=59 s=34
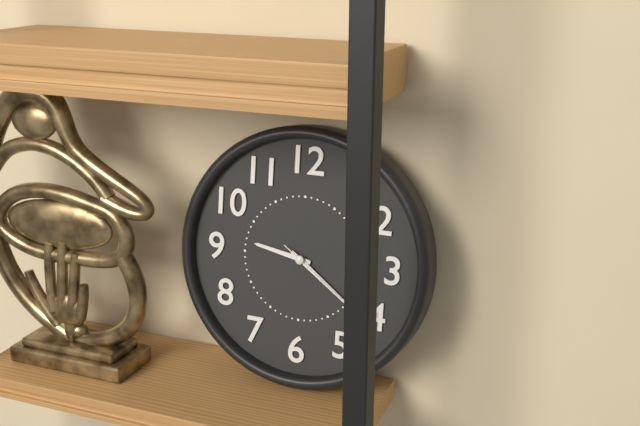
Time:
h=9 m=21 s=21
